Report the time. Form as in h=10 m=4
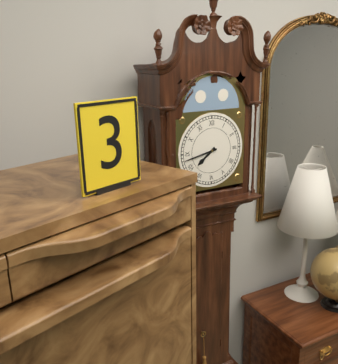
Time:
h=7 m=43
